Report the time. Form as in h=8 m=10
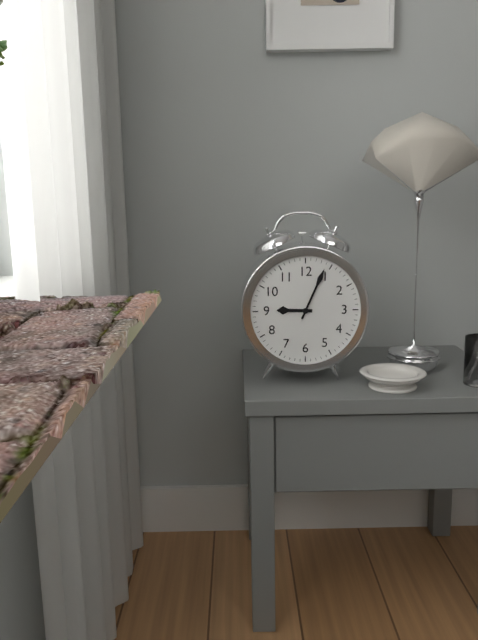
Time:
h=9 m=4
